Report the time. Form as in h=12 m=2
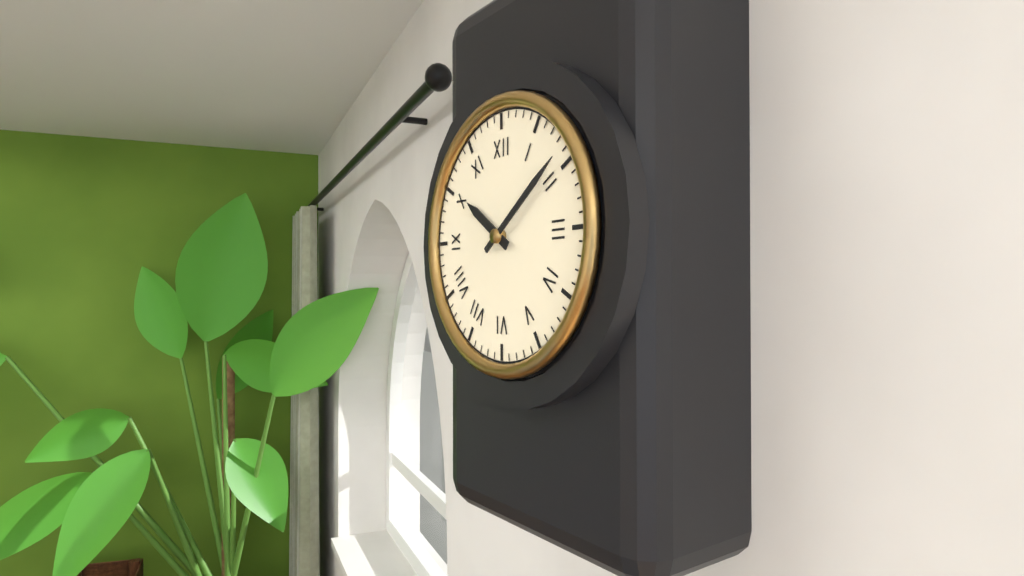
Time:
h=10 m=9
